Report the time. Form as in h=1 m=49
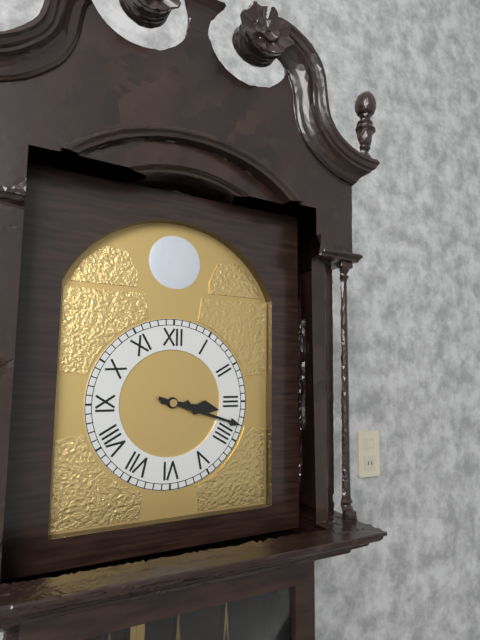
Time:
h=3 m=18
